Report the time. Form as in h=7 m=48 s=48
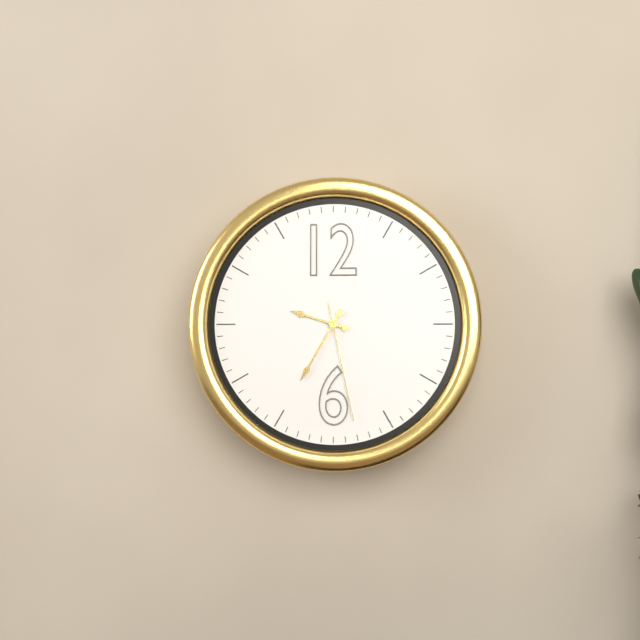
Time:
h=9 m=35 s=28
